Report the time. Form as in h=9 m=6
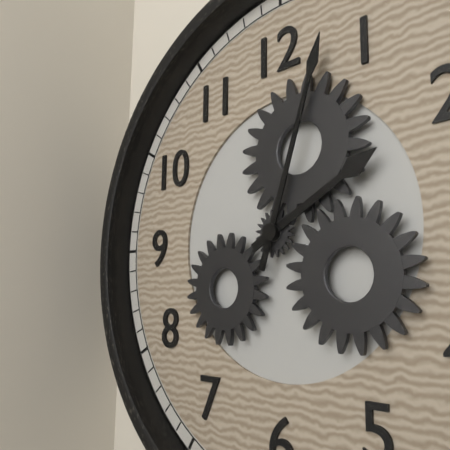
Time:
h=2 m=3
